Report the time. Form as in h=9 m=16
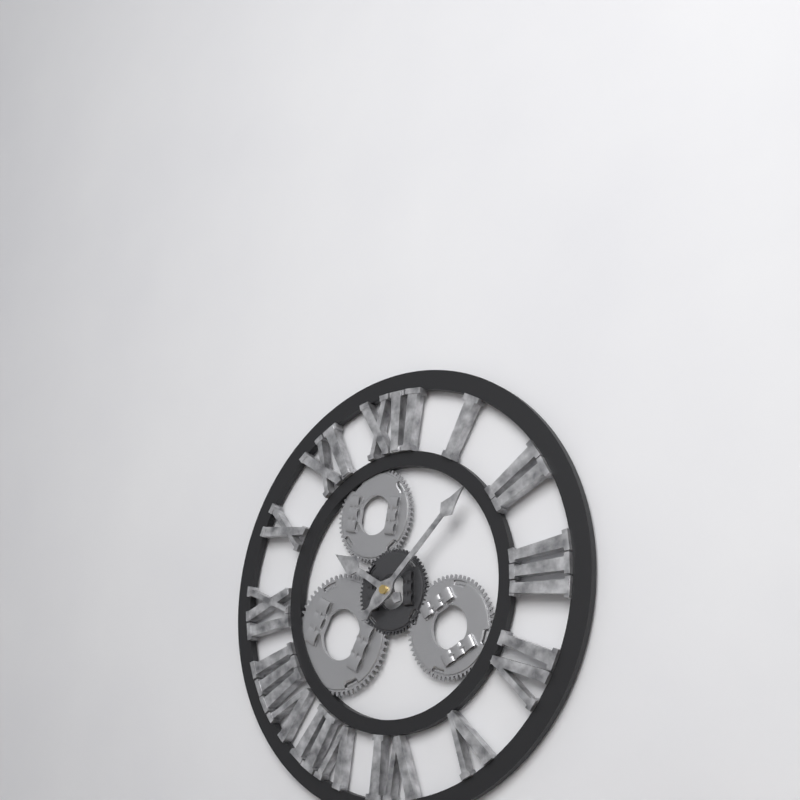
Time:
h=10 m=8
